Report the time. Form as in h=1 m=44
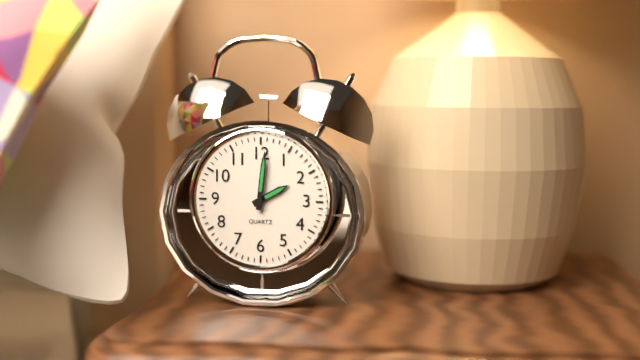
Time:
h=2 m=1
